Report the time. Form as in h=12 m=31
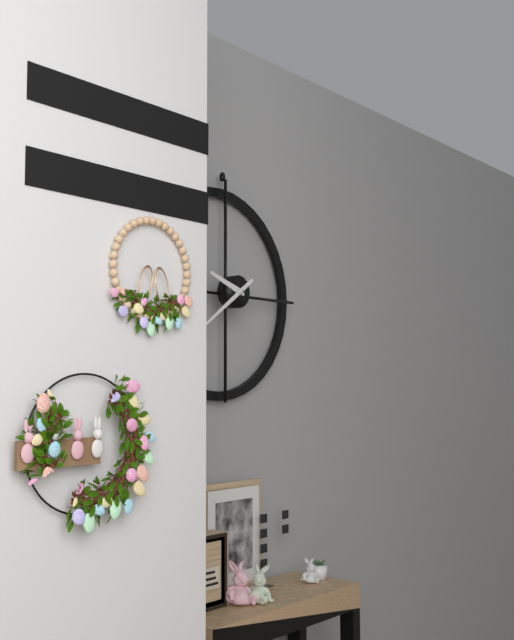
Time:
h=9 m=39
